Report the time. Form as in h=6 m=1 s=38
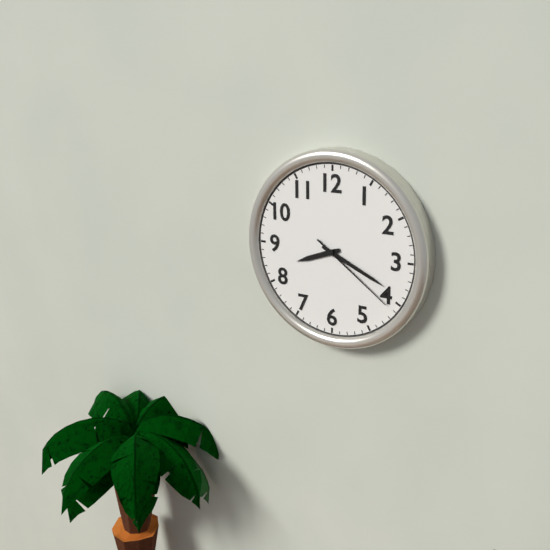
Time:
h=8 m=19 s=21
